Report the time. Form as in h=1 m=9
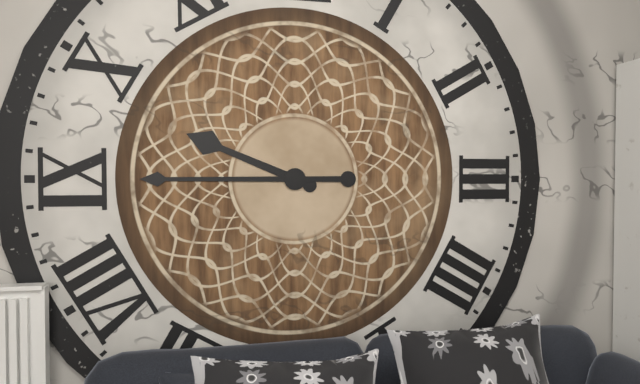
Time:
h=9 m=45
